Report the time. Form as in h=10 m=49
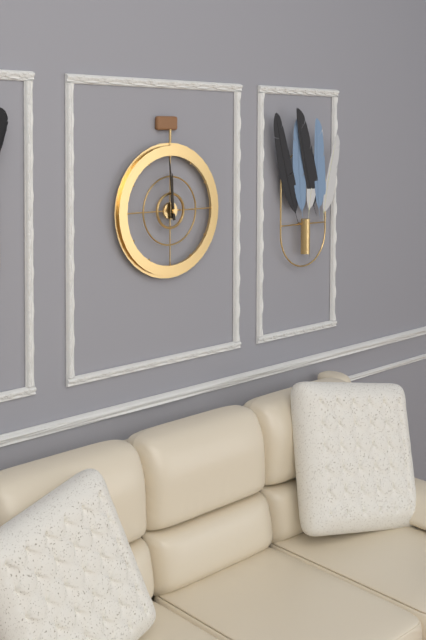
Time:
h=11 m=59
